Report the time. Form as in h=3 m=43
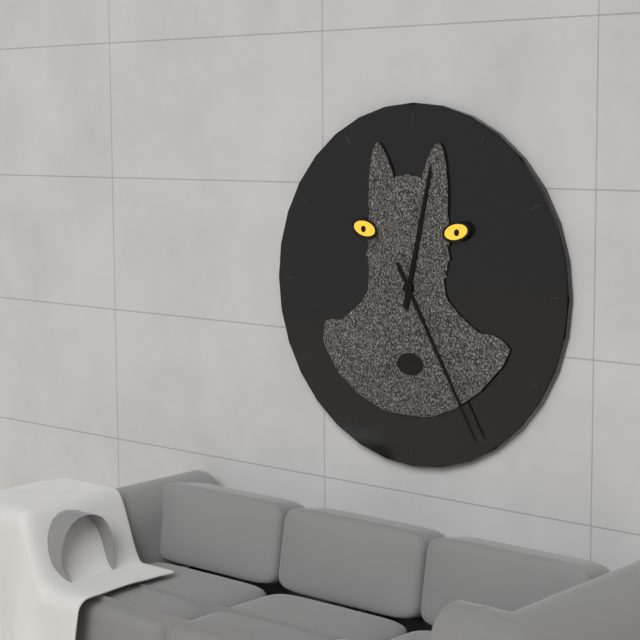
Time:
h=12 m=25
